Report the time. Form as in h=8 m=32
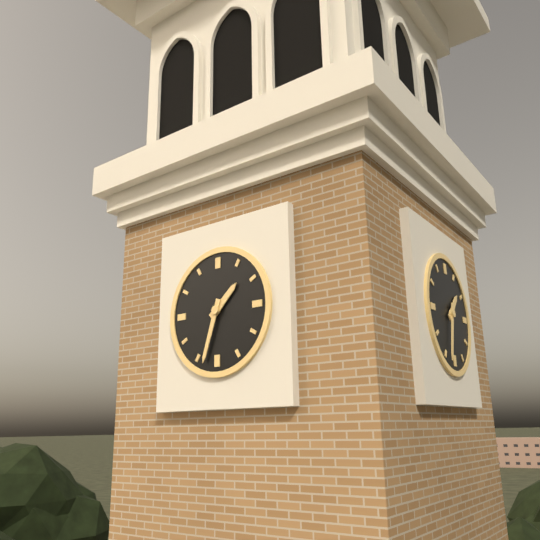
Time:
h=1 m=33
